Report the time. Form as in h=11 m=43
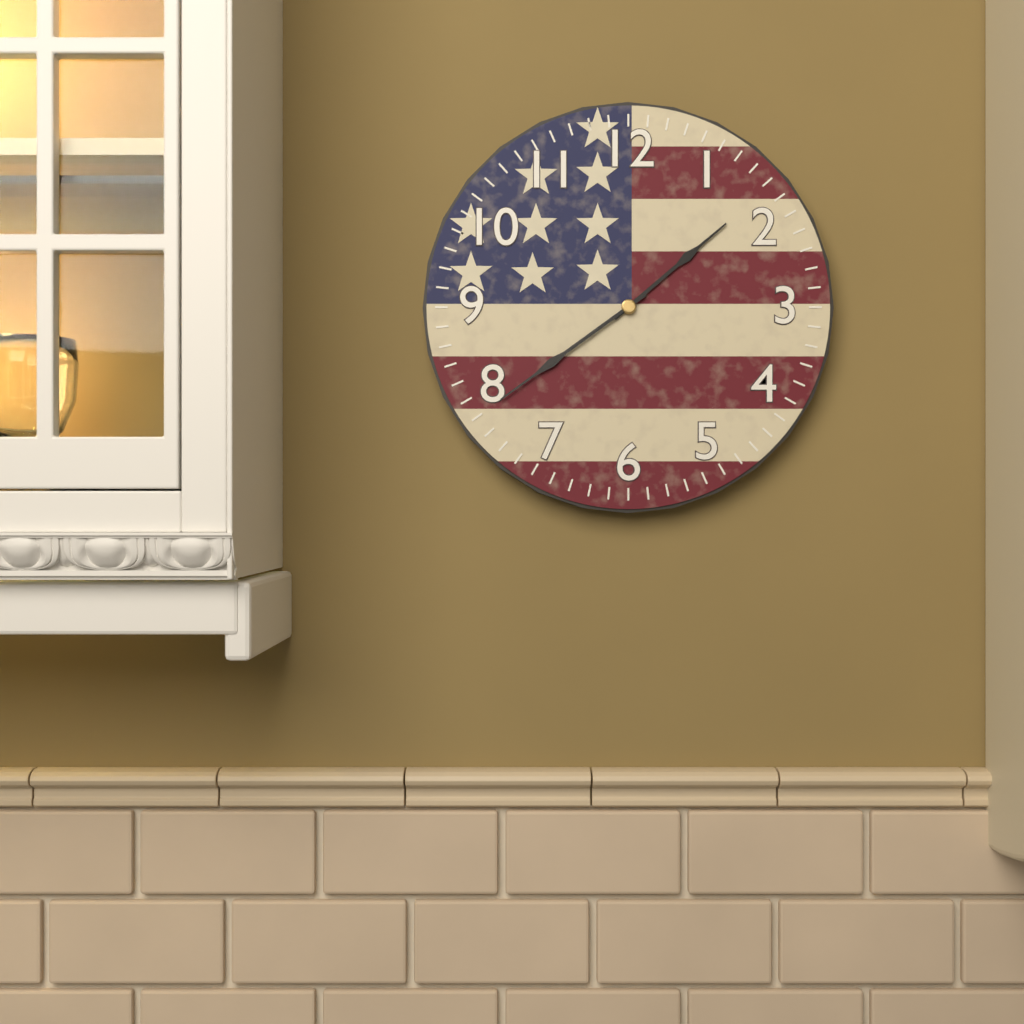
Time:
h=1 m=39
